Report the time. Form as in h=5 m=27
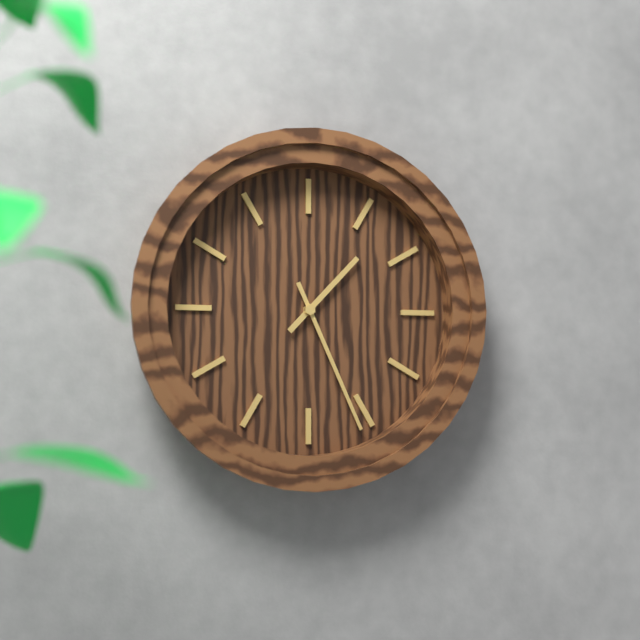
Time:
h=1 m=26
